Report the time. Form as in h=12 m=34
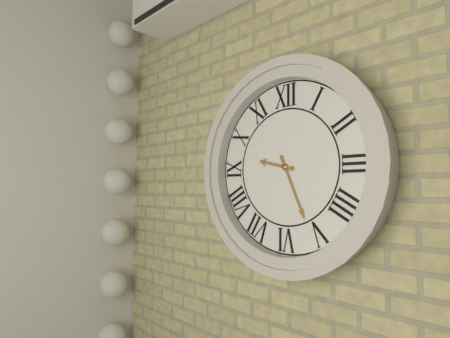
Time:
h=9 m=26
